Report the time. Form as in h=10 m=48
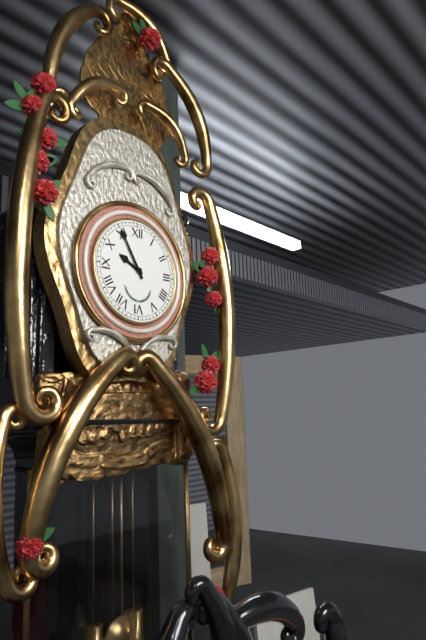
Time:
h=9 m=55
